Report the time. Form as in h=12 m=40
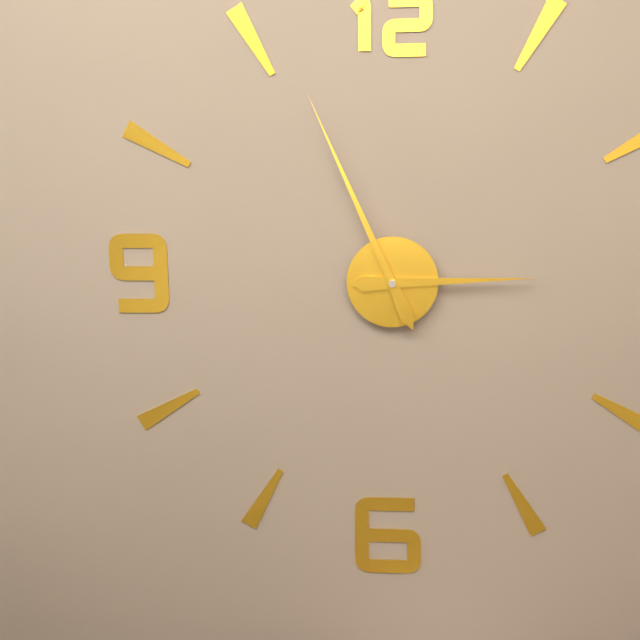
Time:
h=2 m=56
